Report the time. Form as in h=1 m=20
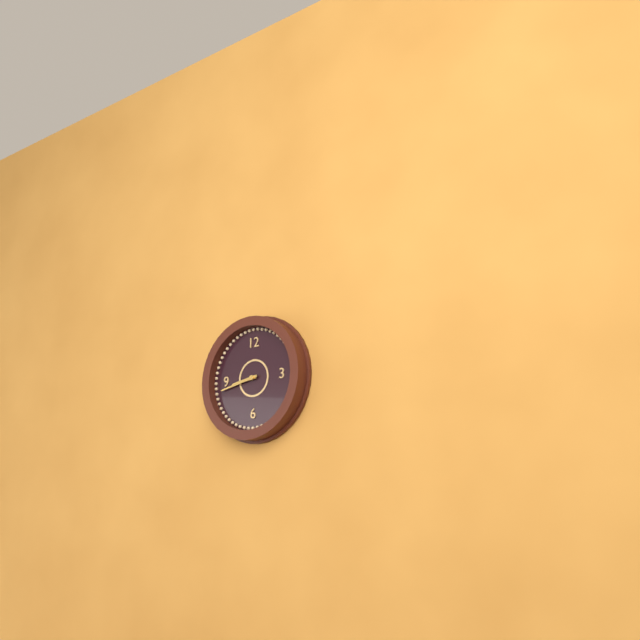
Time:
h=8 m=43
